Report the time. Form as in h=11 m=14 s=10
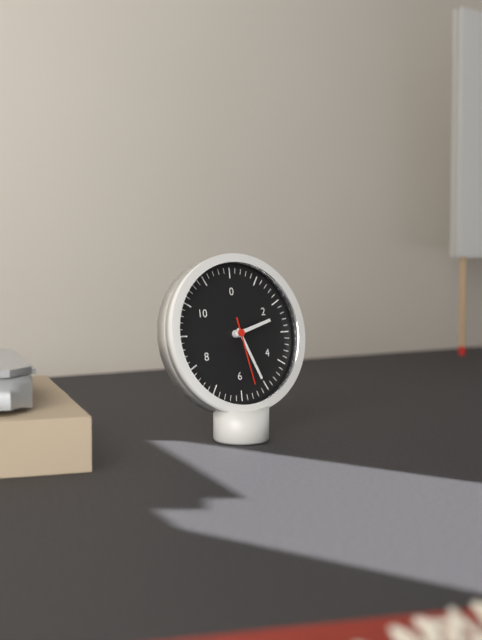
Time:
h=2 m=26 s=28
